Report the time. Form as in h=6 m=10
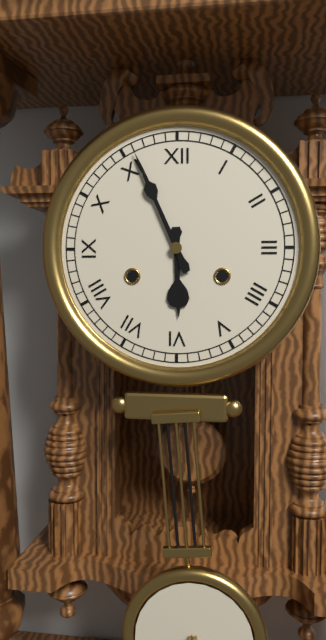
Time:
h=5 m=56
